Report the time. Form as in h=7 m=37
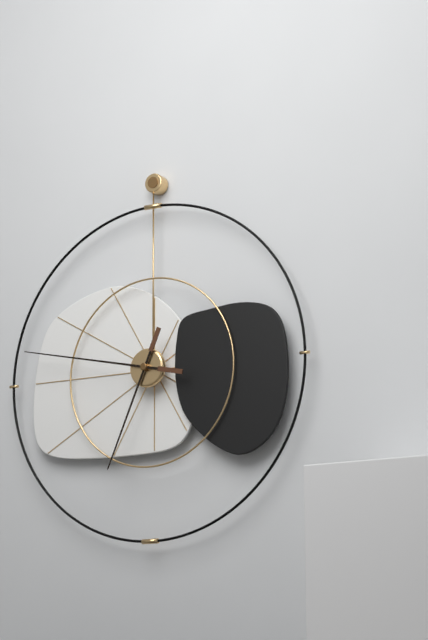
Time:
h=6 m=47
